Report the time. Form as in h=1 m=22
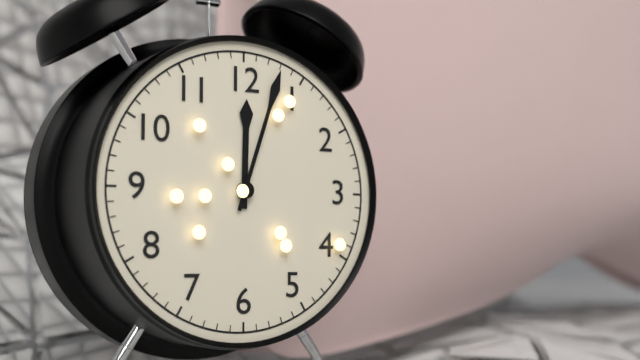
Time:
h=12 m=3
